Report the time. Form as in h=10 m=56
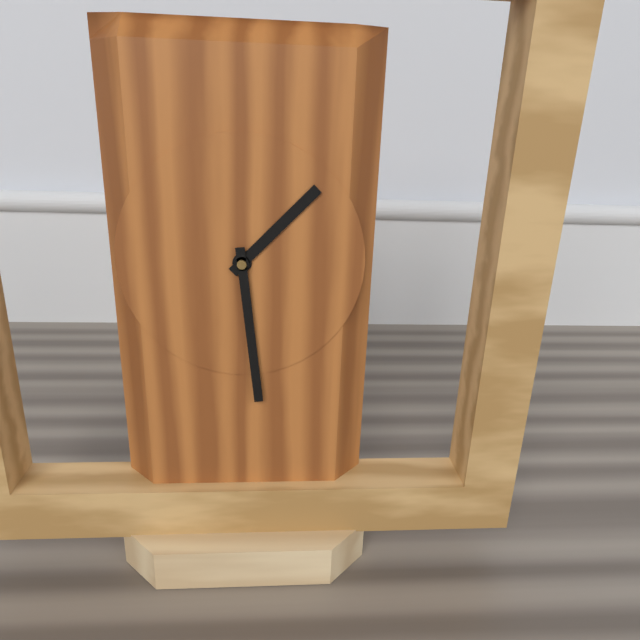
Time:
h=1 m=29
